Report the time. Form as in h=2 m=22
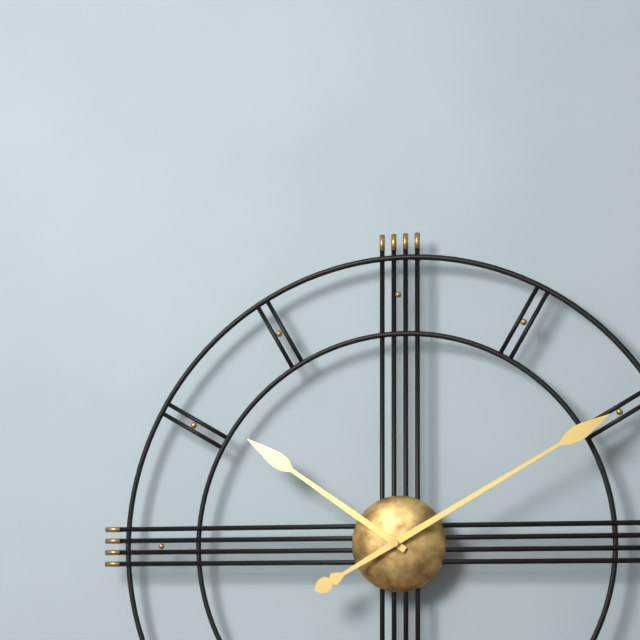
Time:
h=10 m=10
